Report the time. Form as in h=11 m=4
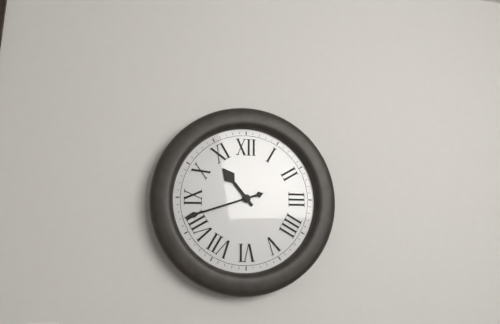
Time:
h=10 m=42
